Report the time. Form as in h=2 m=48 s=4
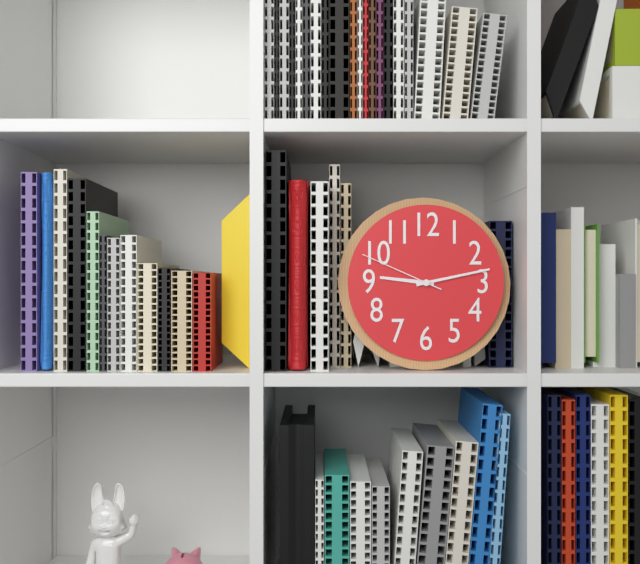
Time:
h=9 m=13 s=49
